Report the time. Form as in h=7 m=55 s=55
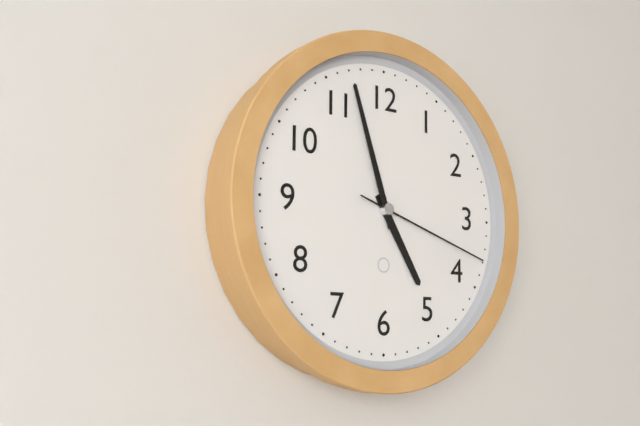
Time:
h=4 m=57 s=18
